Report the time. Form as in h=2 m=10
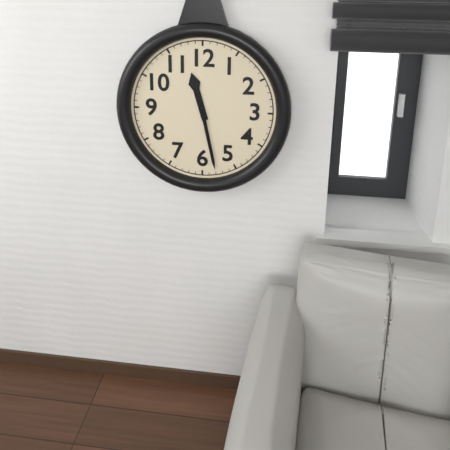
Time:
h=11 m=28
